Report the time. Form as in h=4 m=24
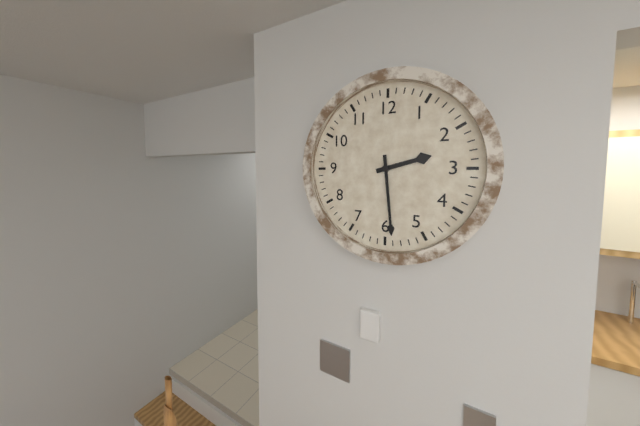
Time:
h=2 m=29
